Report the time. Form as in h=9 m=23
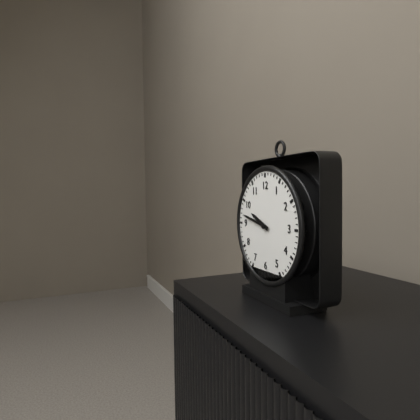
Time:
h=9 m=47
